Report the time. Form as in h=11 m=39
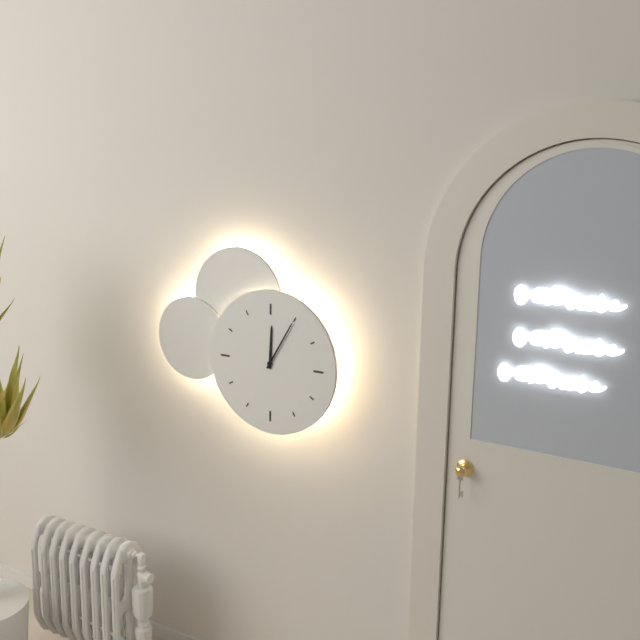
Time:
h=12 m=5
